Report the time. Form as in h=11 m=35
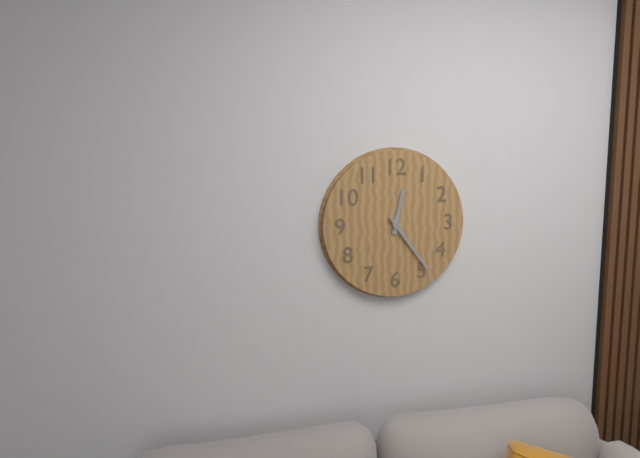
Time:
h=12 m=24
